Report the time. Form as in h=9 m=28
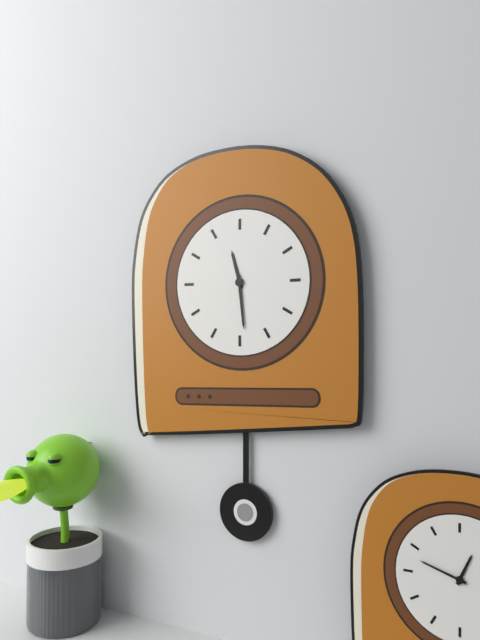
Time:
h=11 m=29
